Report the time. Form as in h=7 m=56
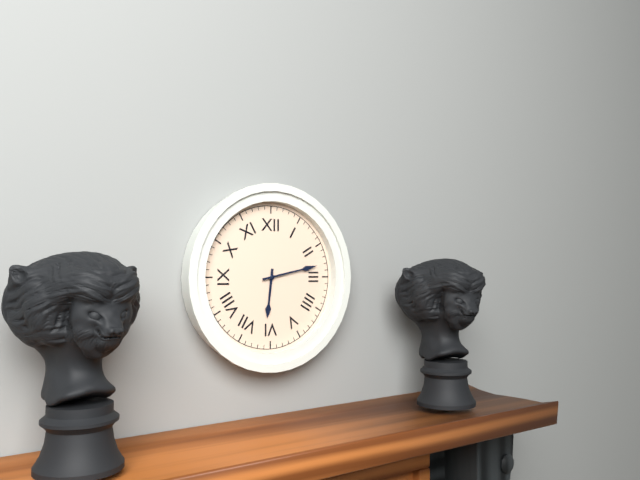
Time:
h=6 m=13
